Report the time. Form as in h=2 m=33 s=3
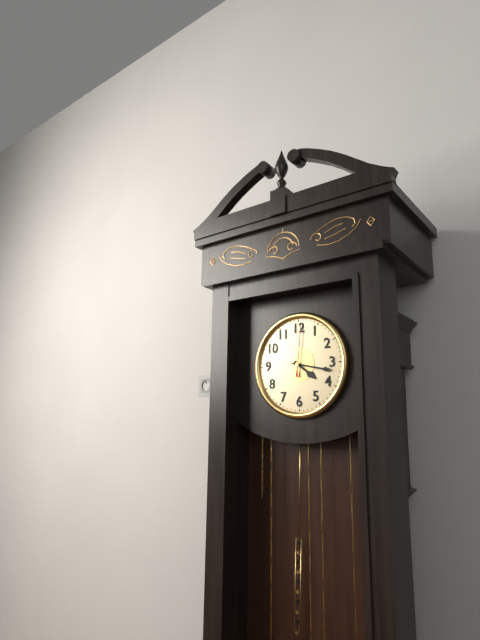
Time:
h=4 m=17 s=1
